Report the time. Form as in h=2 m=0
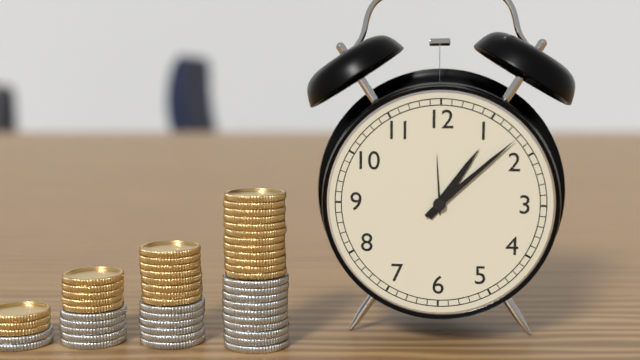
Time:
h=1 m=8
